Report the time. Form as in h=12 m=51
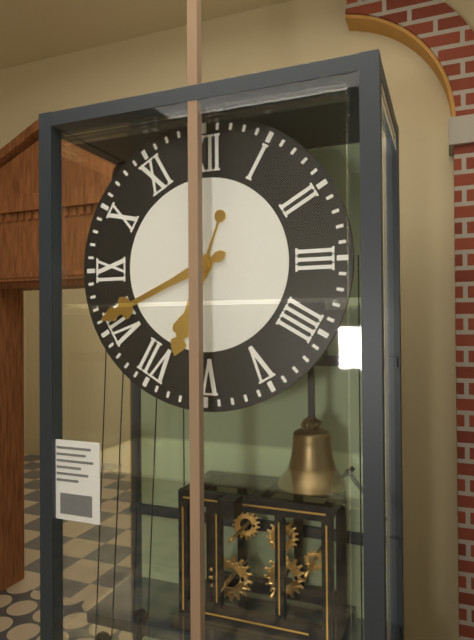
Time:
h=6 m=41
